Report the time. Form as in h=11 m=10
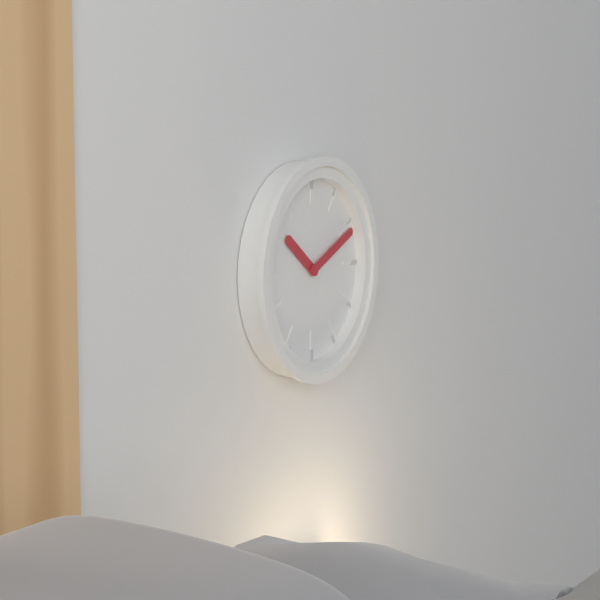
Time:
h=10 m=11
